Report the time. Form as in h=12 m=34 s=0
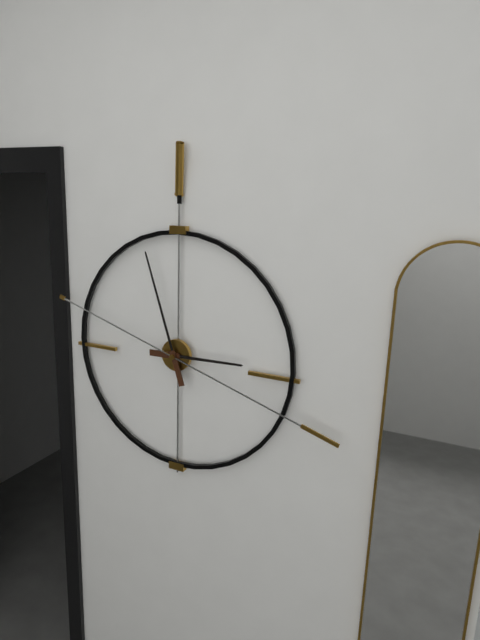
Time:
h=2 m=57 s=18
